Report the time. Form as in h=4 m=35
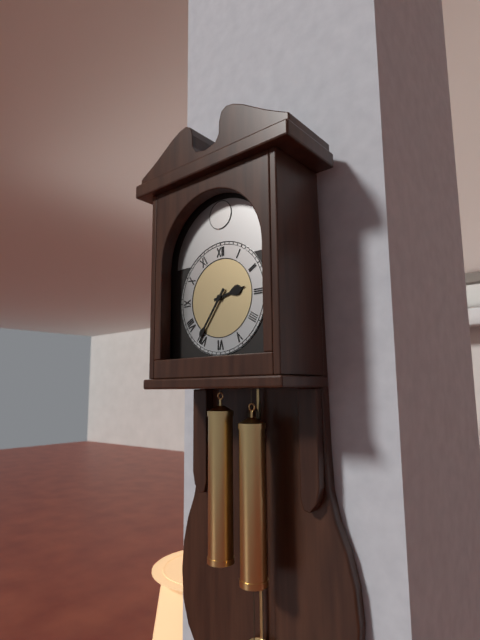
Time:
h=2 m=36
